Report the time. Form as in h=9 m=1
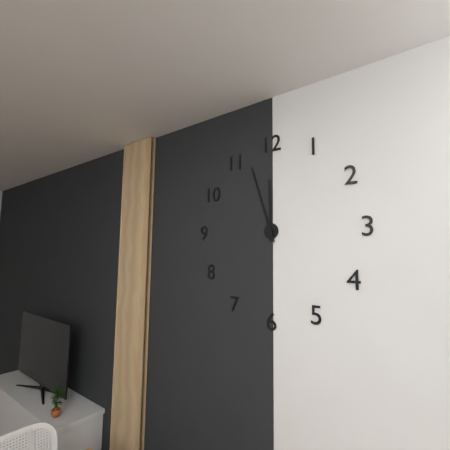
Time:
h=11 m=57
